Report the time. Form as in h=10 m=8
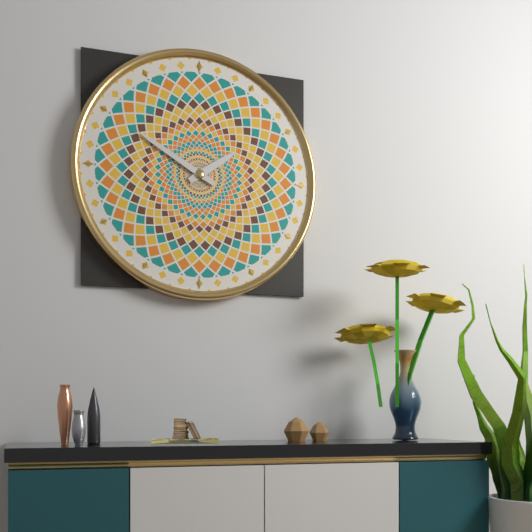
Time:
h=1 m=50
